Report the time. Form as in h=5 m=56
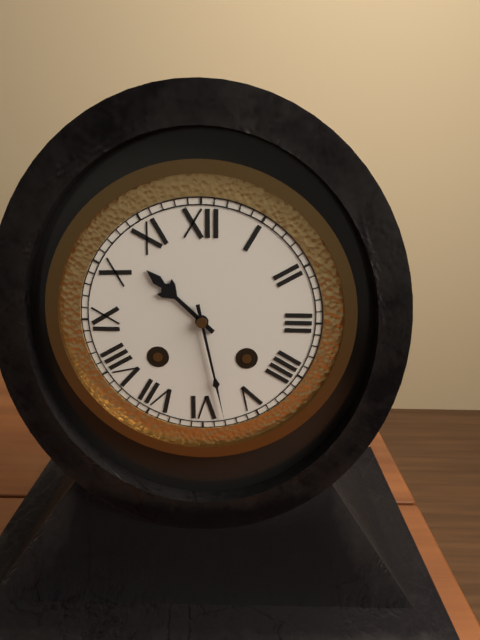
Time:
h=10 m=28
